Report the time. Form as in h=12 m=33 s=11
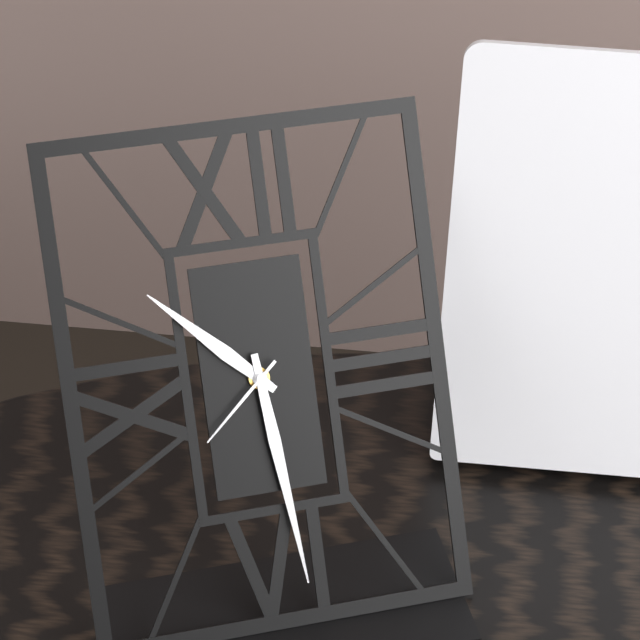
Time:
h=10 m=29 s=38
